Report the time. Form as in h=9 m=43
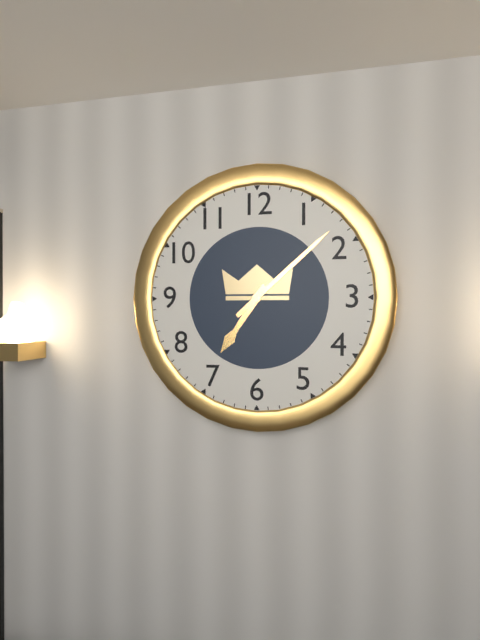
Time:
h=7 m=8
